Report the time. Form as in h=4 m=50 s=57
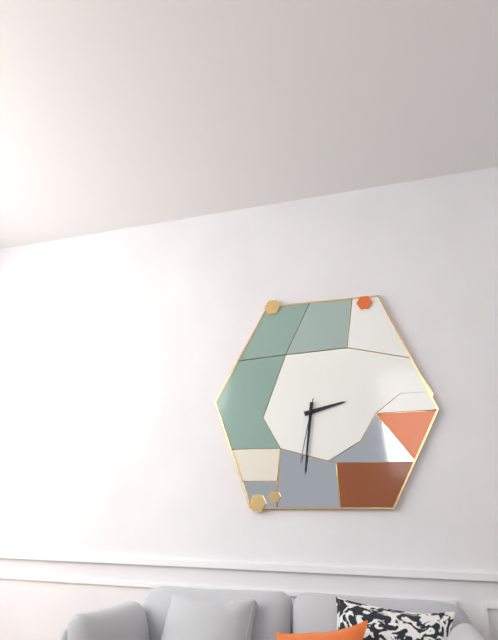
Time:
h=2 m=31 s=32
